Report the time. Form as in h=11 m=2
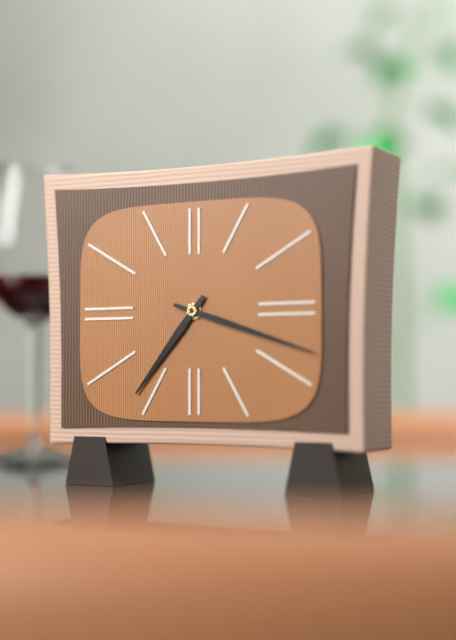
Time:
h=7 m=18
